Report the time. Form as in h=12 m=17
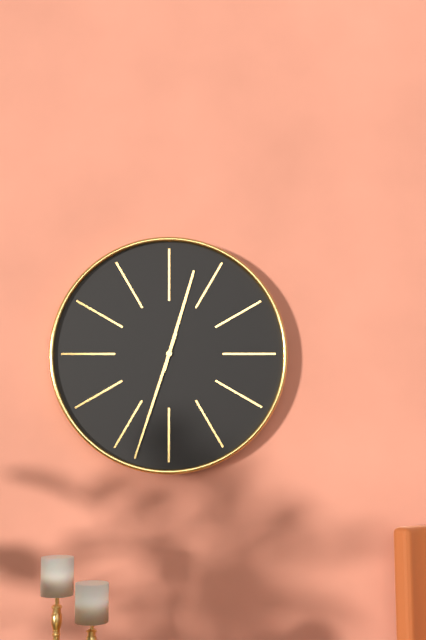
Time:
h=12 m=33
